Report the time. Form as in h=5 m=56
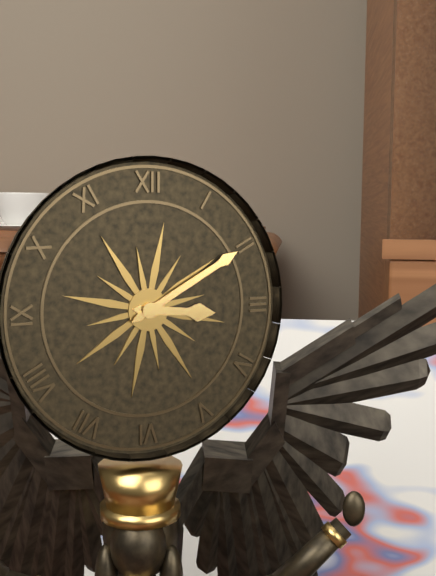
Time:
h=3 m=10
